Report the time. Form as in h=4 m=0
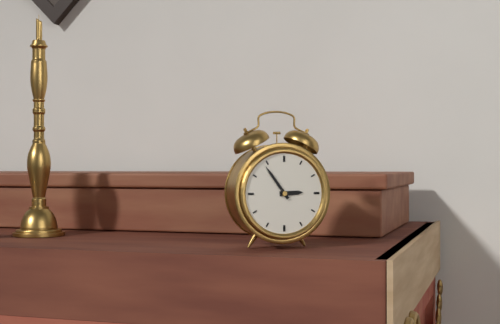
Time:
h=2 m=54
